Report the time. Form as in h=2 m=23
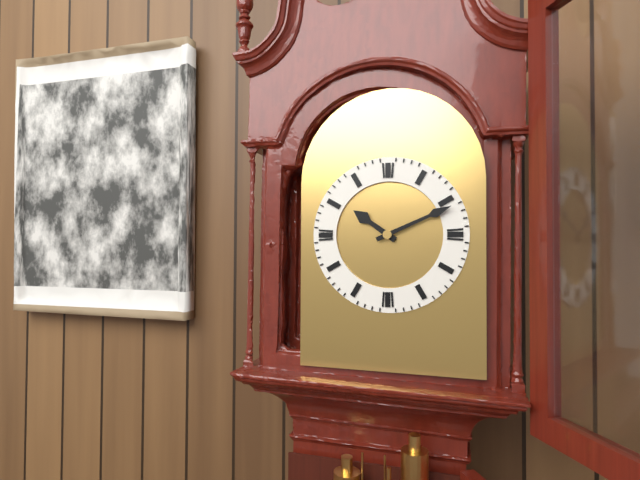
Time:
h=10 m=11
